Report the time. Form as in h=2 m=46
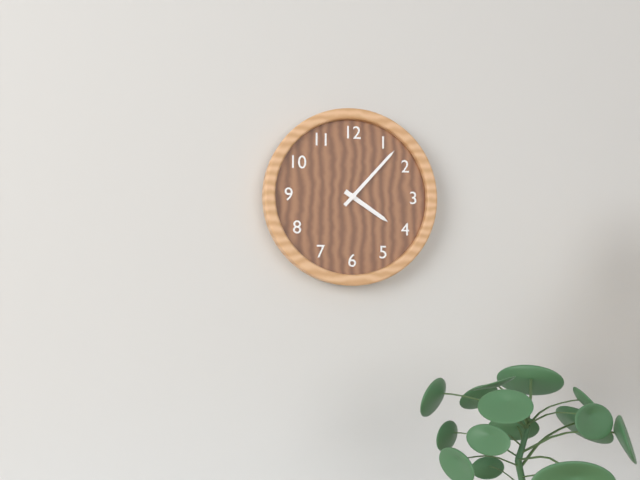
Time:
h=4 m=7
